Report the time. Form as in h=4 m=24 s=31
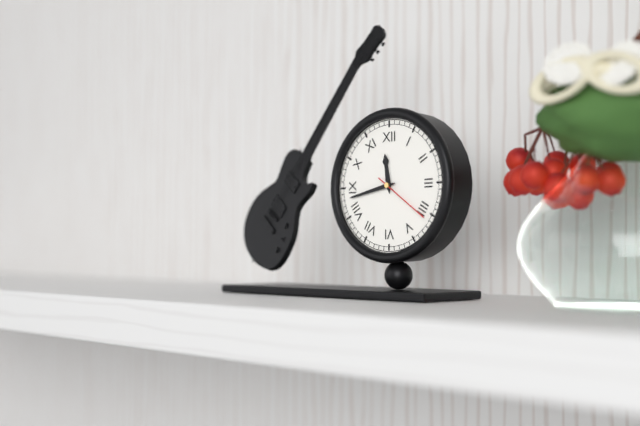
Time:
h=11 m=43 s=21
